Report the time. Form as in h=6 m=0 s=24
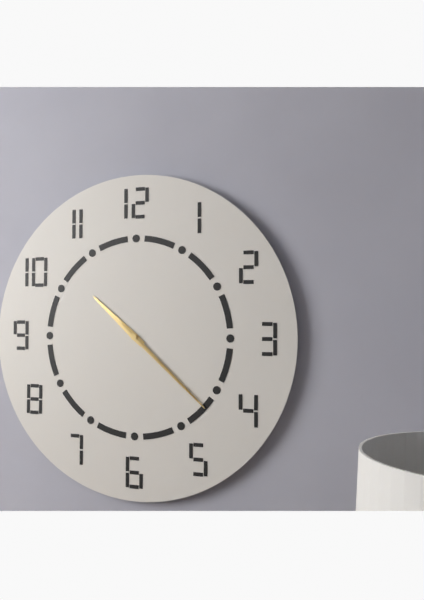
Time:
h=10 m=22 s=22
